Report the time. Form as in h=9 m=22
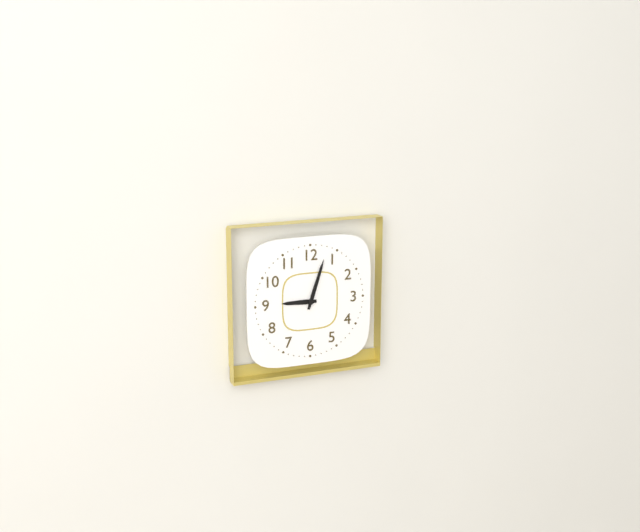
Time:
h=9 m=3
